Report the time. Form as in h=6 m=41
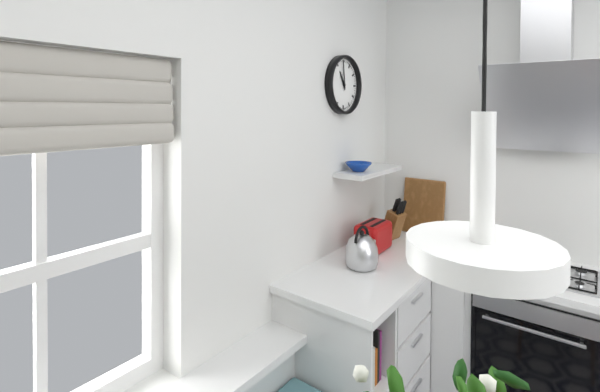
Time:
h=10 m=59
